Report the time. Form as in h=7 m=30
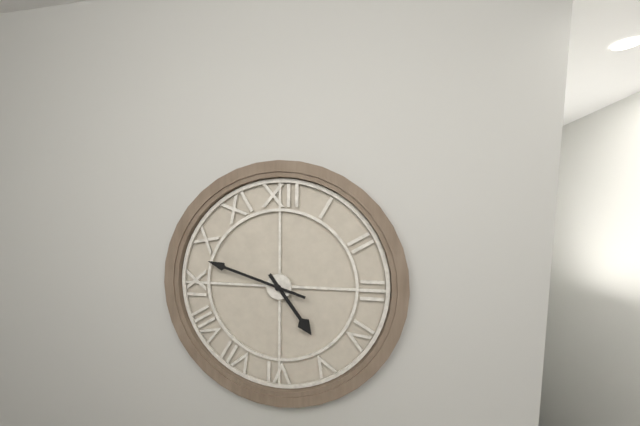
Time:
h=4 m=48
